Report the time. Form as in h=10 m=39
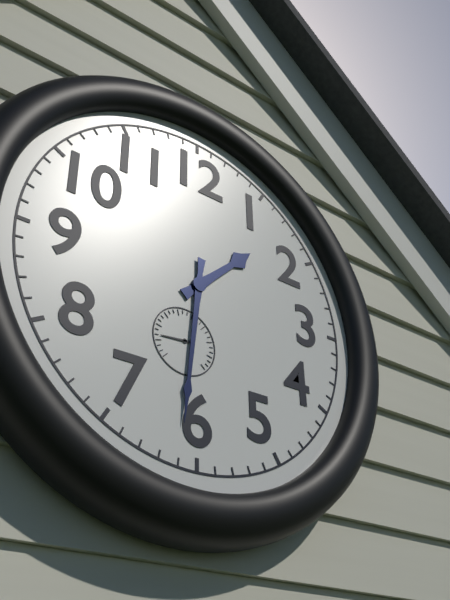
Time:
h=1 m=31
